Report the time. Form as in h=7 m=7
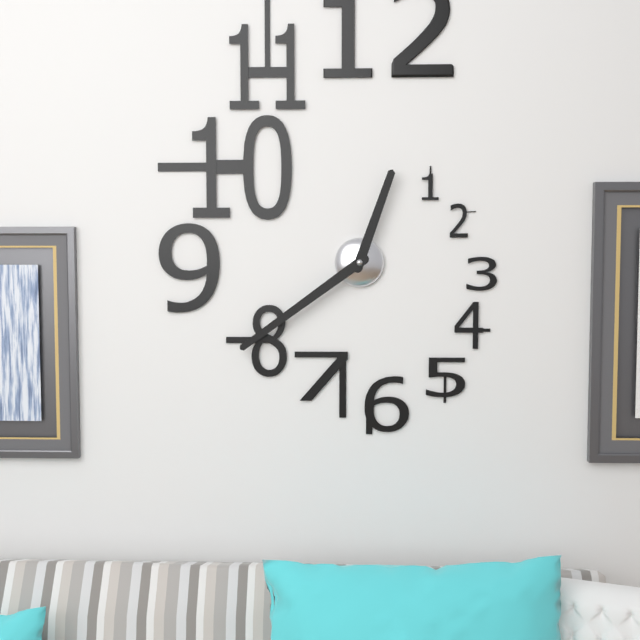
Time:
h=12 m=39
